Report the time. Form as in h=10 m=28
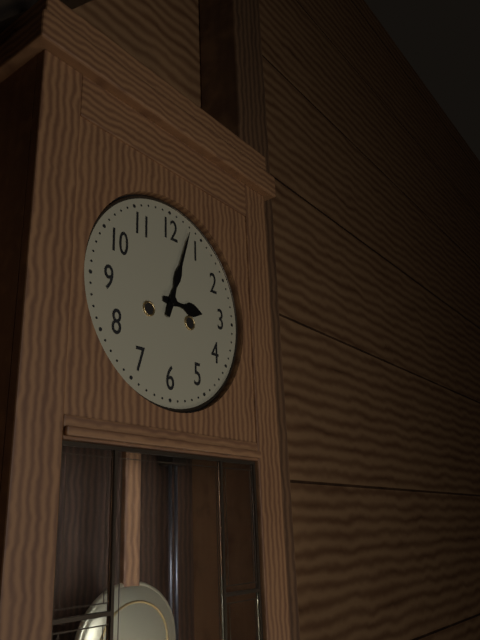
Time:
h=3 m=3
